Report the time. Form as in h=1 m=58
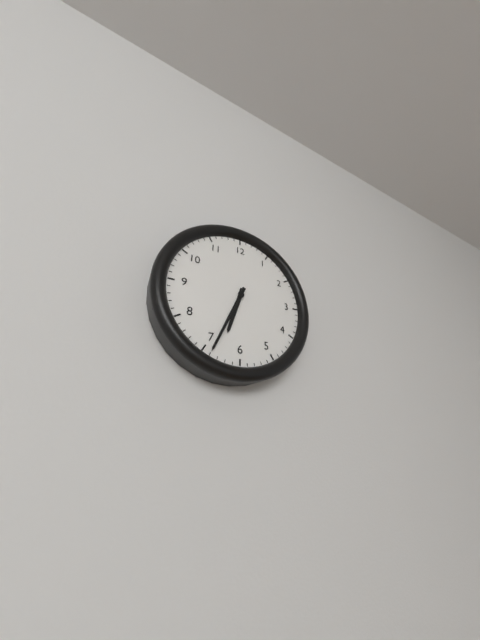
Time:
h=6 m=34
